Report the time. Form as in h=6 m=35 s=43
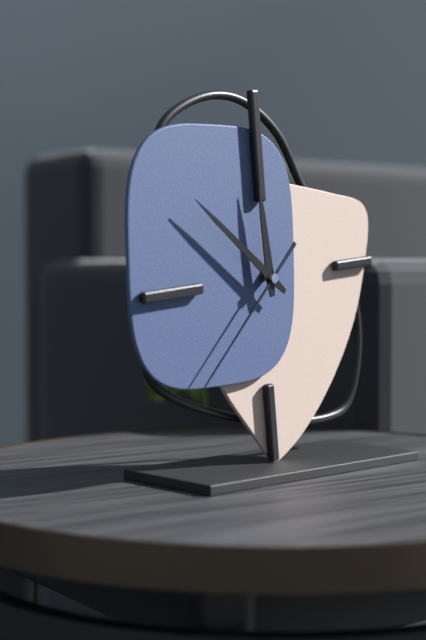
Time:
h=11 m=52 s=38
